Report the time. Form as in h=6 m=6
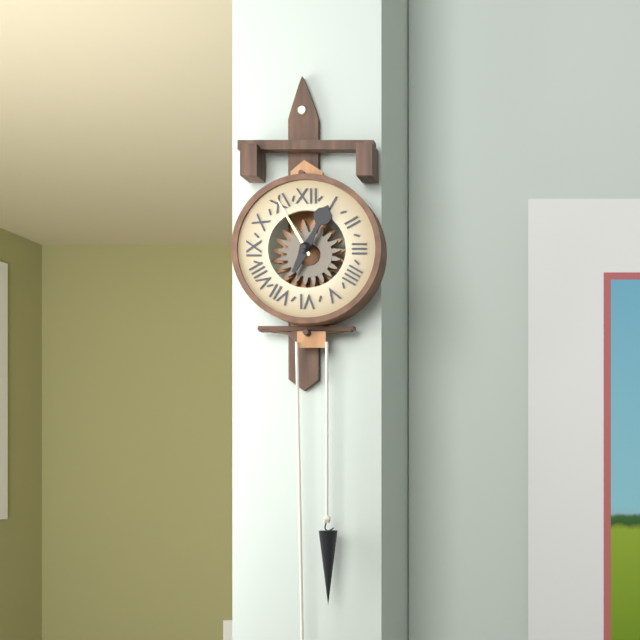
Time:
h=12 m=55
